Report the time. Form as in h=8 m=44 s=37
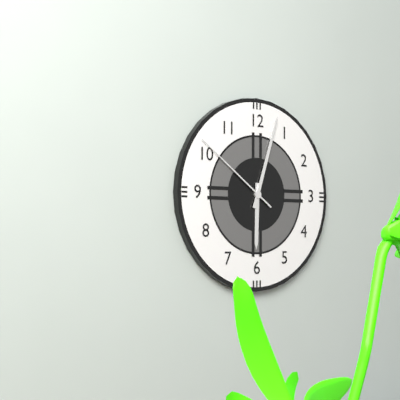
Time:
h=6 m=3 s=51
